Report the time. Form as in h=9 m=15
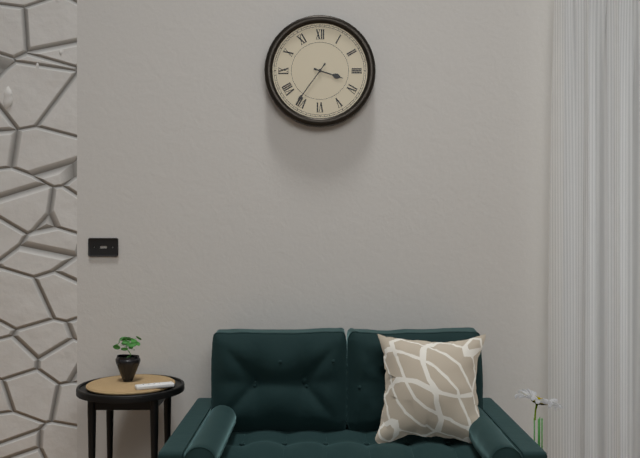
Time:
h=3 m=36
